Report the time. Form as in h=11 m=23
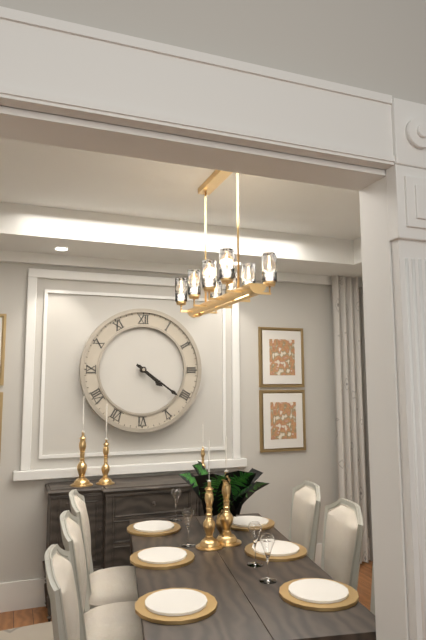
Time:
h=4 m=21
